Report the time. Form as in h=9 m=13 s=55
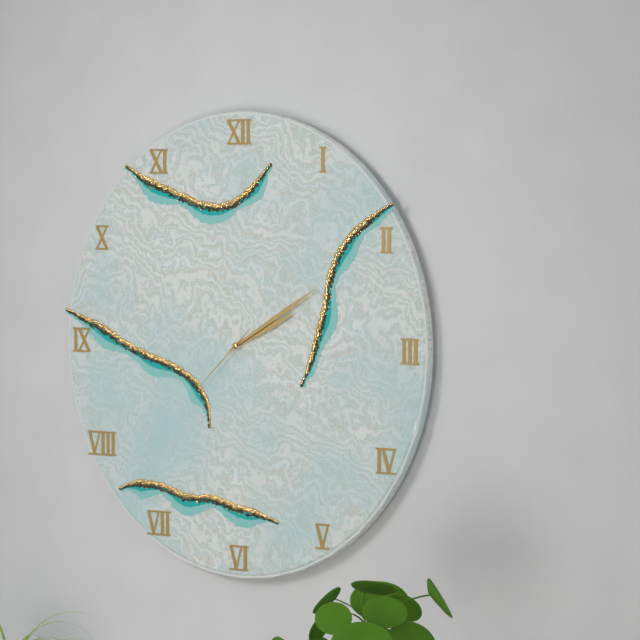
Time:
h=2 m=10 s=38
